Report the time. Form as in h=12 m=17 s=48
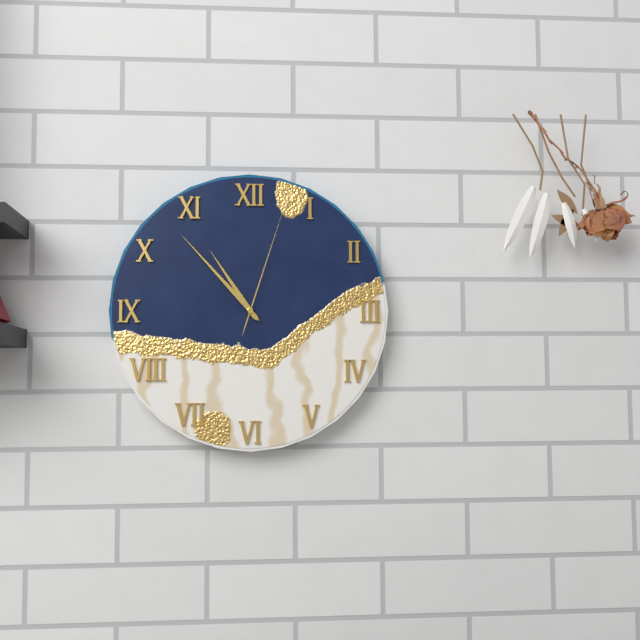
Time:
h=10 m=53 s=3
